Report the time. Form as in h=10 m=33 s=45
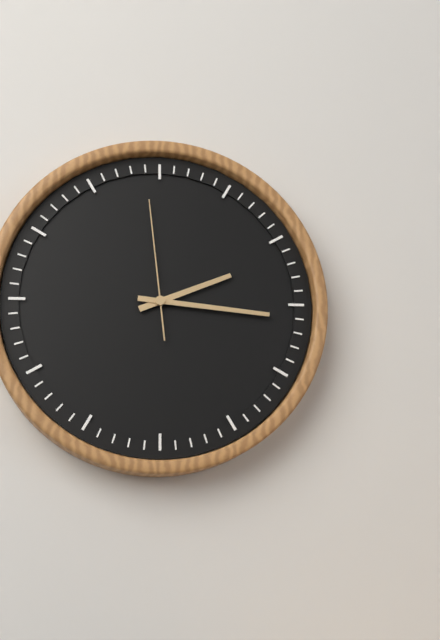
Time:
h=2 m=16 s=59
